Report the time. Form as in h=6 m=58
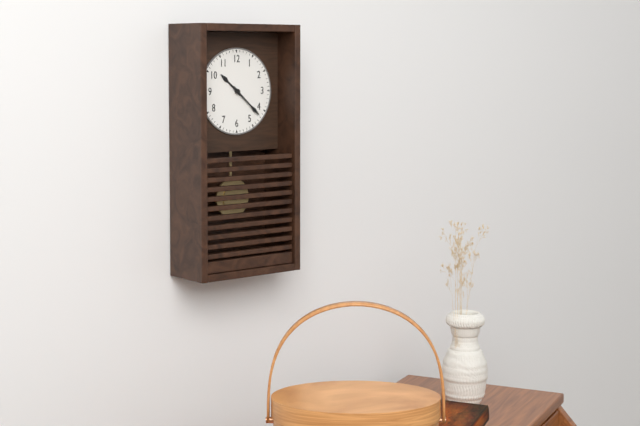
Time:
h=10 m=22
